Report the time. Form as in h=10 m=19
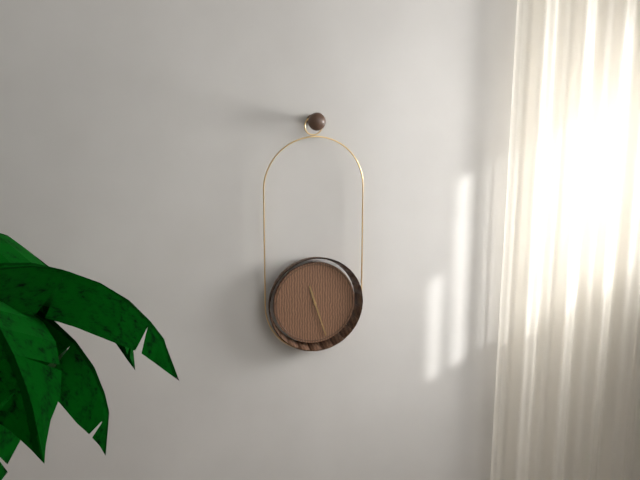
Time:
h=11 m=27
